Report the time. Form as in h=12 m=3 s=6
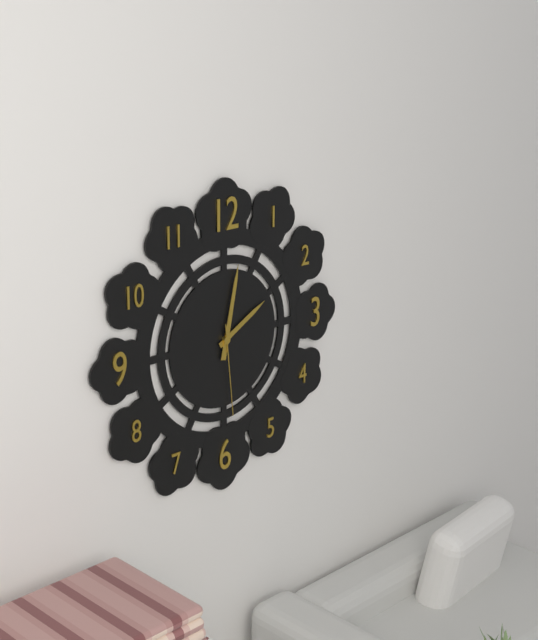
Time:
h=2 m=2 s=29
